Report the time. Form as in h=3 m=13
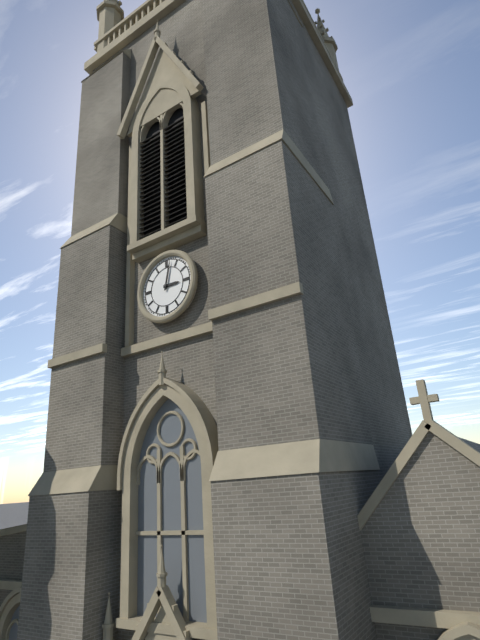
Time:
h=3 m=2
